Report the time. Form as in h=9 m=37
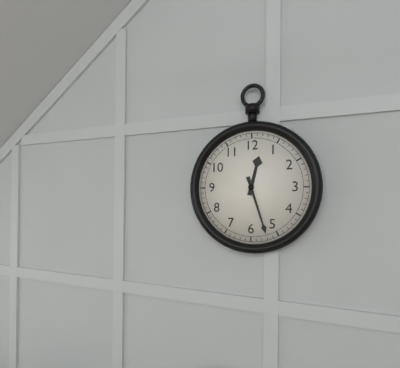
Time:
h=12 m=27
